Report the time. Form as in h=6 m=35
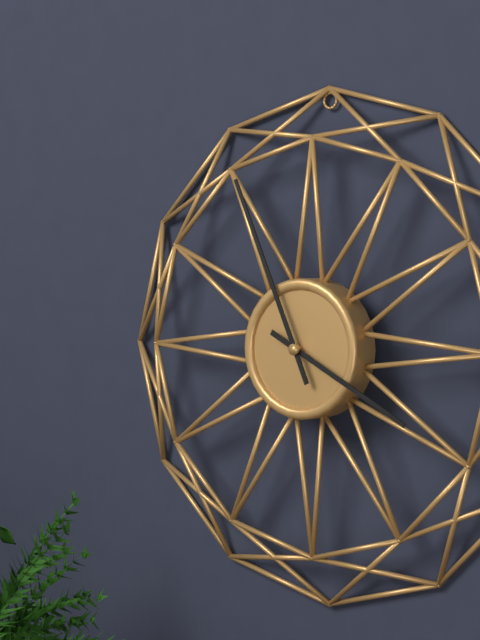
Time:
h=3 m=56
